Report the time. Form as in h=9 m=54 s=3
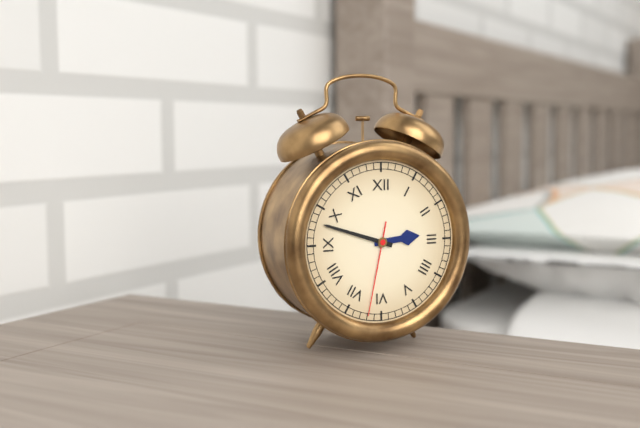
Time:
h=2 m=48 s=32
